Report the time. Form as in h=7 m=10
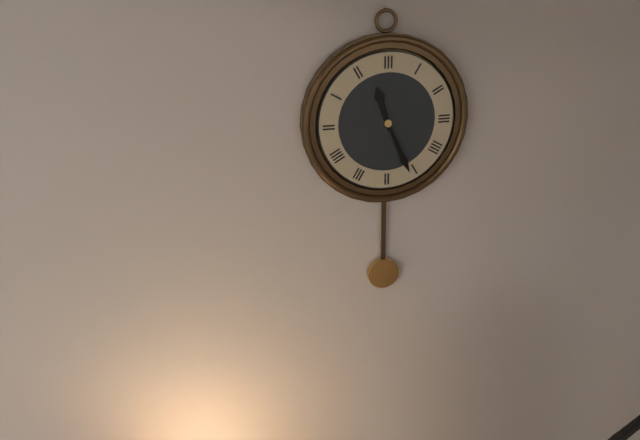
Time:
h=11 m=26
